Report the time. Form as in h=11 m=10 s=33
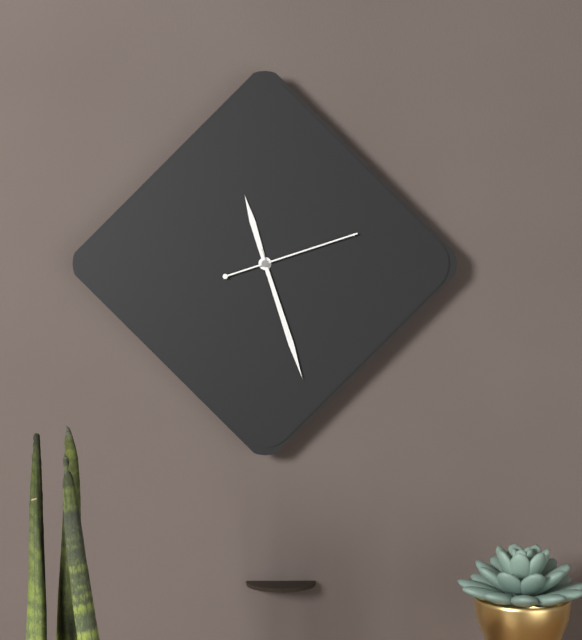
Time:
h=11 m=27 s=12
